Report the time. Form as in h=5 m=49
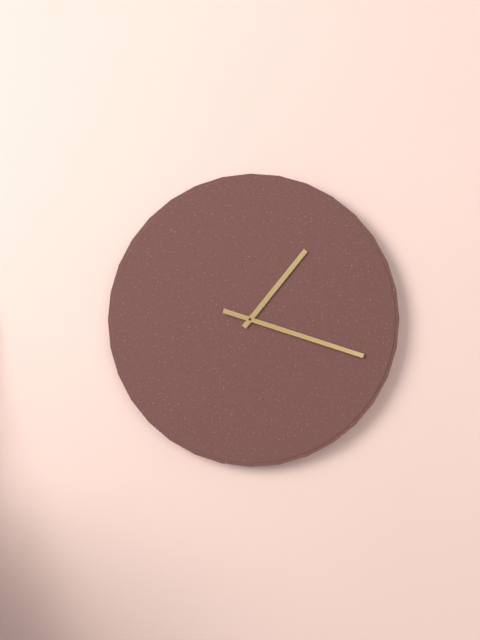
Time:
h=1 m=18
